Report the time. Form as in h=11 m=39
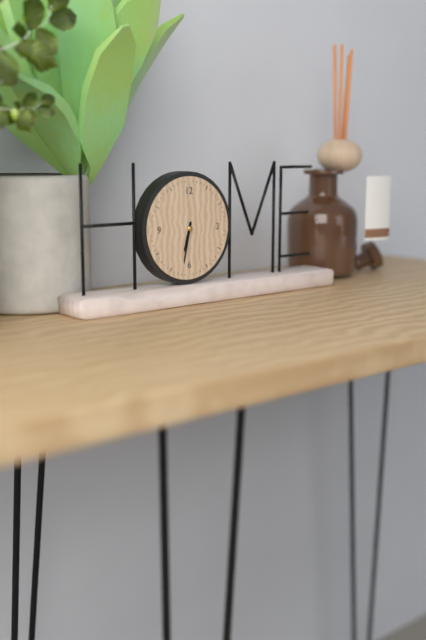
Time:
h=6 m=32
